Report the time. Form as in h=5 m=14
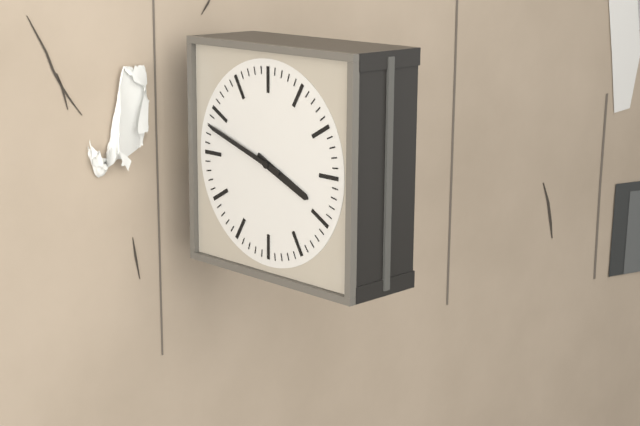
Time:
h=3 m=48
